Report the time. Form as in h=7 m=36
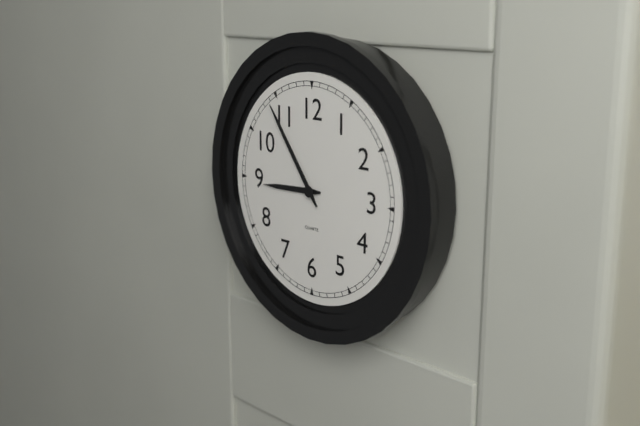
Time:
h=8 m=54
